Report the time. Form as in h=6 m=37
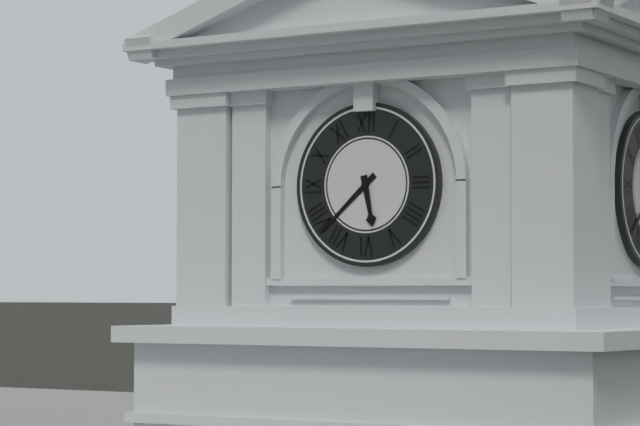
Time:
h=5 m=38
